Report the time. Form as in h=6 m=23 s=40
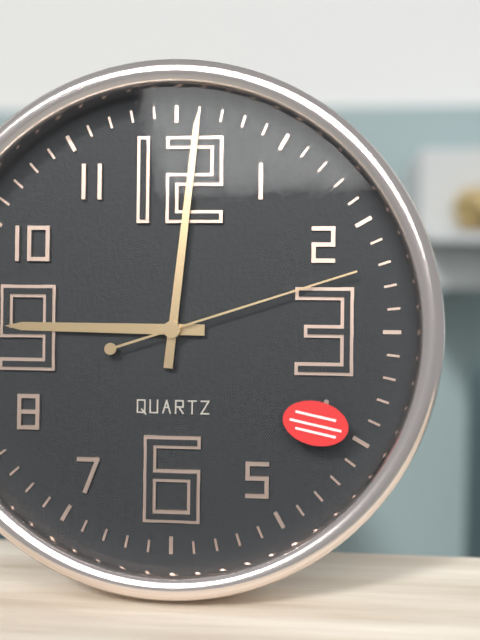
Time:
h=9 m=1 s=12
